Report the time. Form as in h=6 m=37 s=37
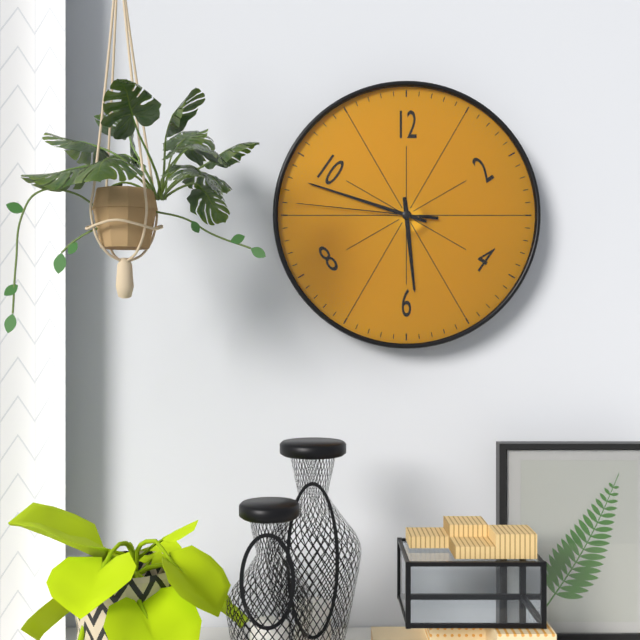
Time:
h=5 m=48 s=46
